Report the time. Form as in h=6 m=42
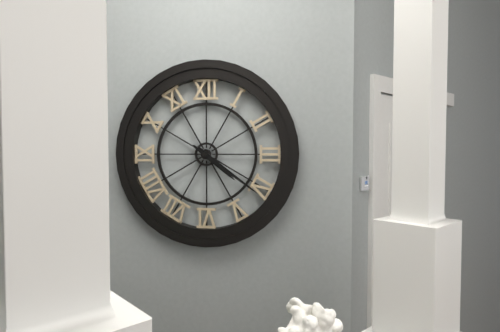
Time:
h=4 m=21
